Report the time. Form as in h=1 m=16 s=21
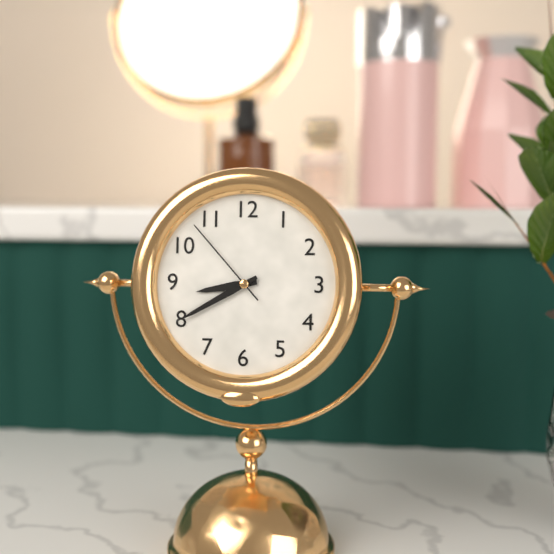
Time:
h=8 m=40 s=53
